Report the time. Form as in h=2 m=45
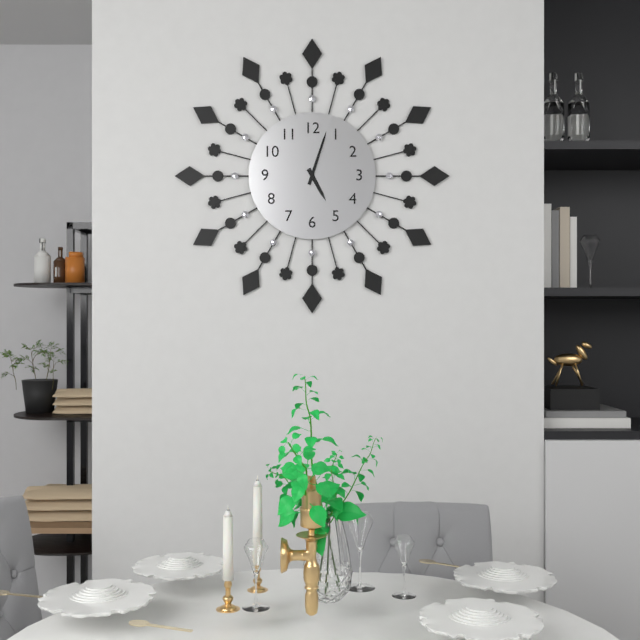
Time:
h=5 m=3
